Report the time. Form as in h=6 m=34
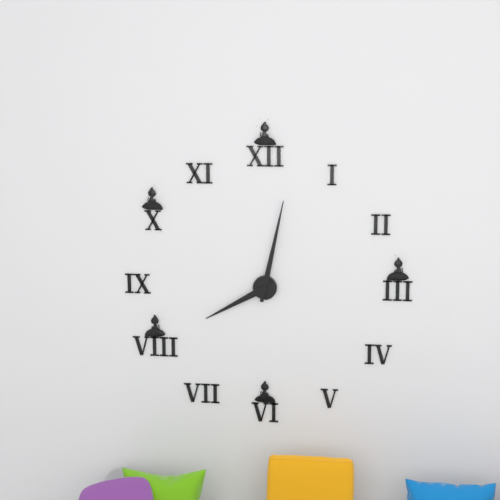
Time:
h=8 m=2
